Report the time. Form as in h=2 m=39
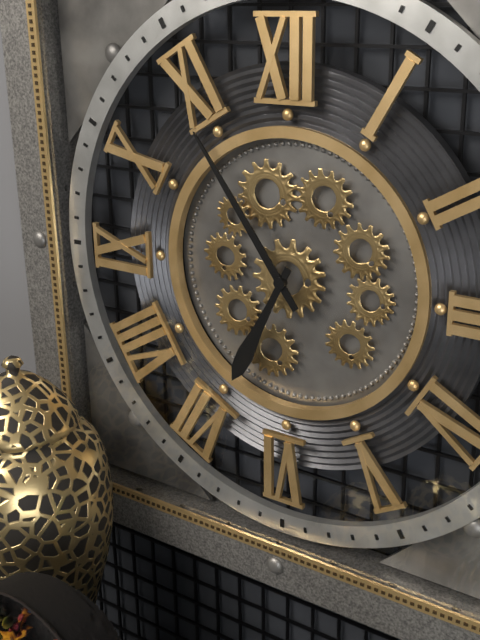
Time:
h=6 m=54
